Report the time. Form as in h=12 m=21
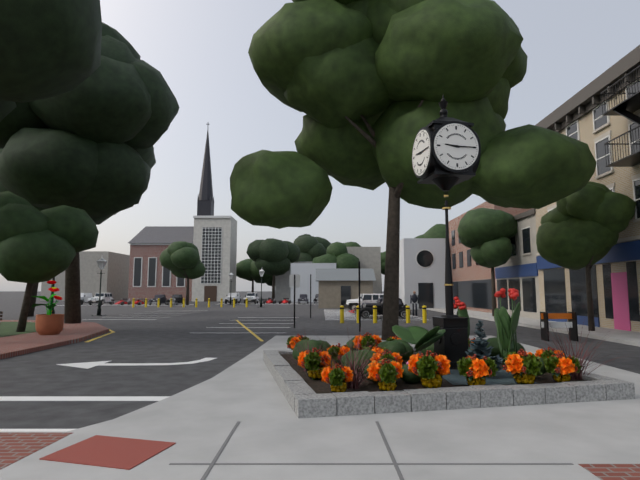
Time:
h=9 m=15
